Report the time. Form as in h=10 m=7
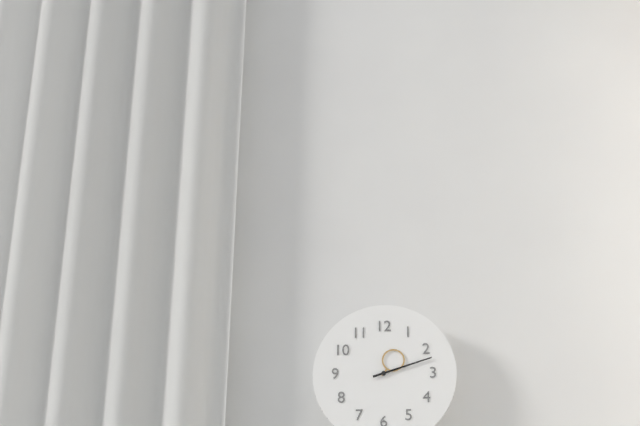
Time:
h=1 m=12
